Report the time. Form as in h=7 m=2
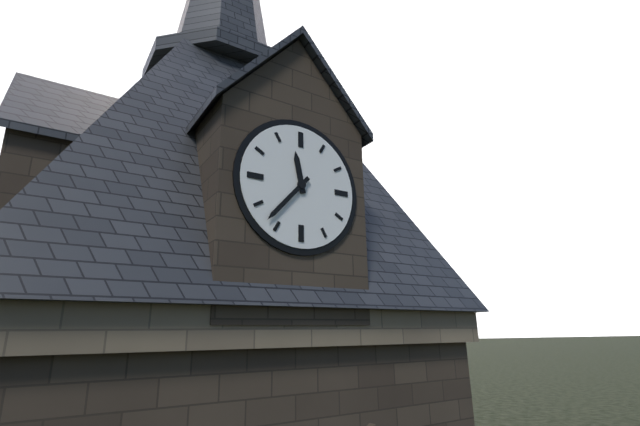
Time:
h=11 m=37
